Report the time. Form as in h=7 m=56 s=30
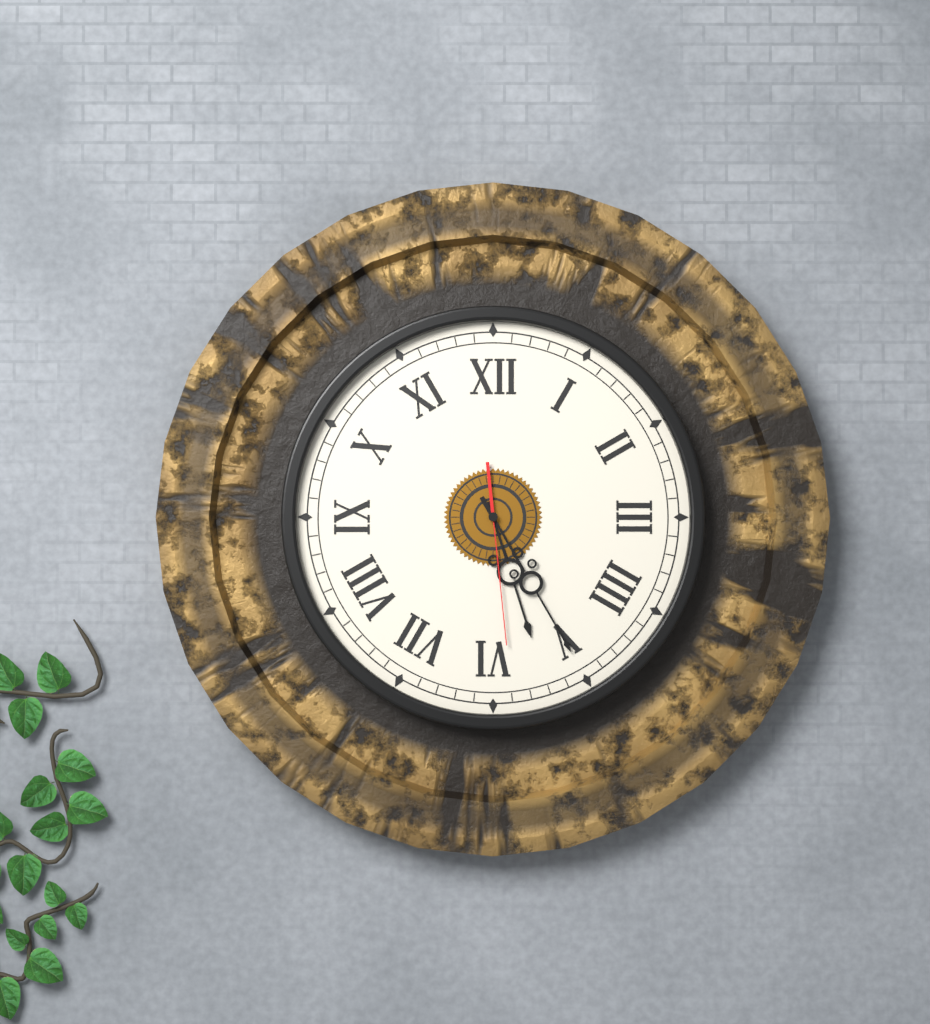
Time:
h=5 m=25 s=29
